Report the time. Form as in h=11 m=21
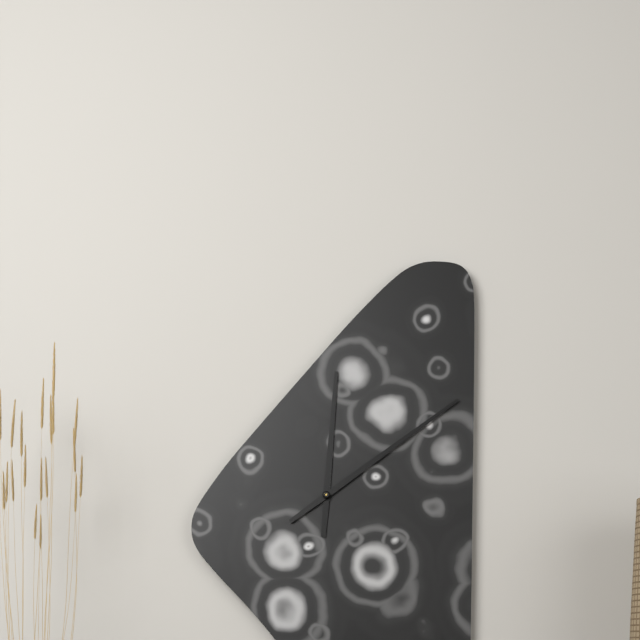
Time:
h=12 m=9
